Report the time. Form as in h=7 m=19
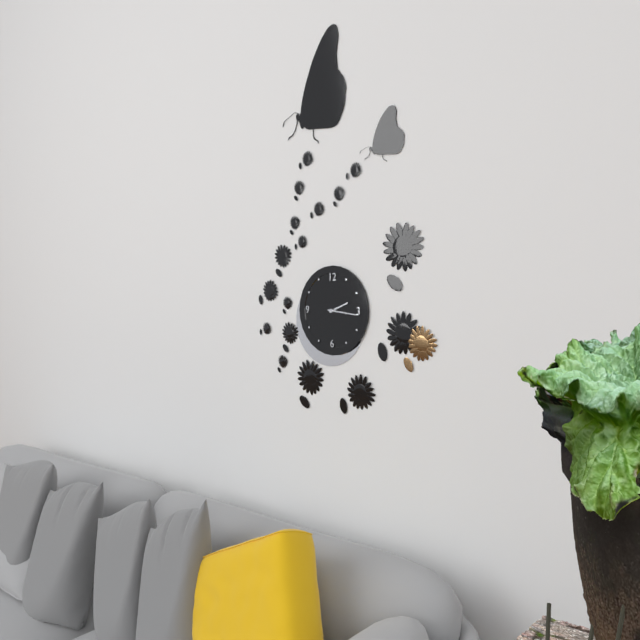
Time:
h=2 m=16
